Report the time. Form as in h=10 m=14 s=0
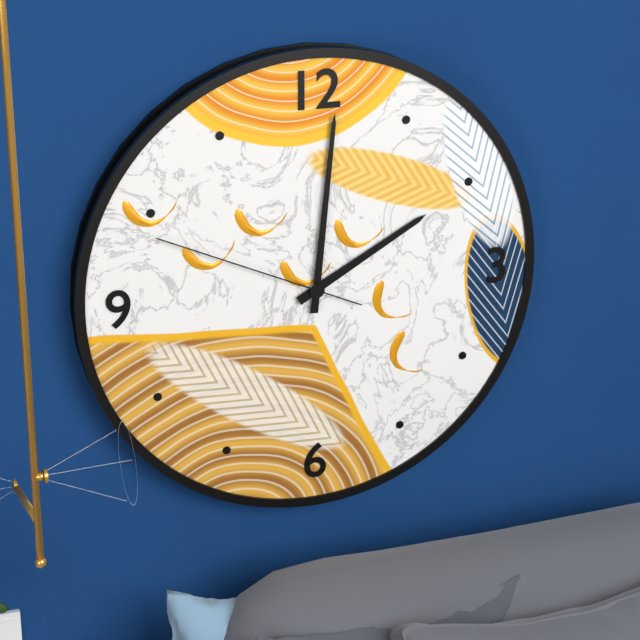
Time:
h=2 m=1 s=49
